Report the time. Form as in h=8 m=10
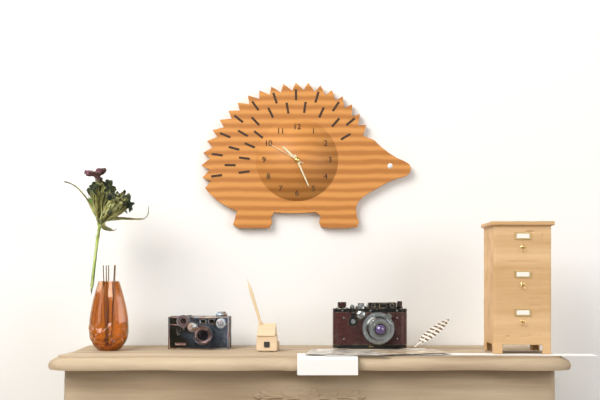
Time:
h=10 m=26
